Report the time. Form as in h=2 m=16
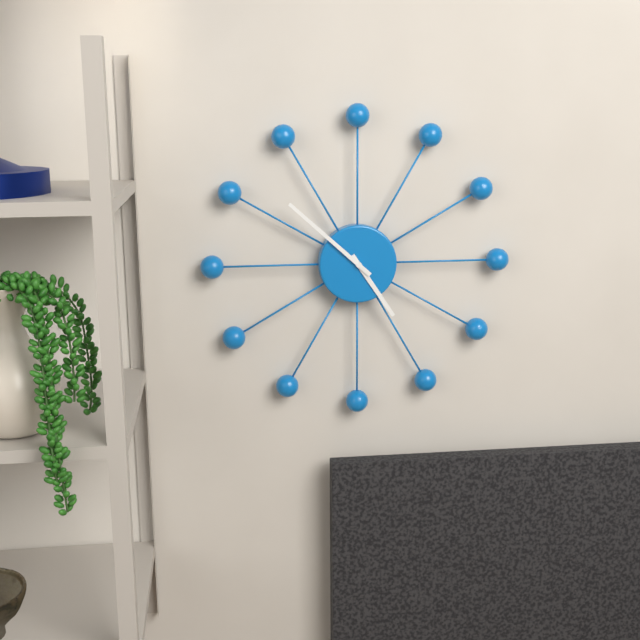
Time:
h=4 m=52
